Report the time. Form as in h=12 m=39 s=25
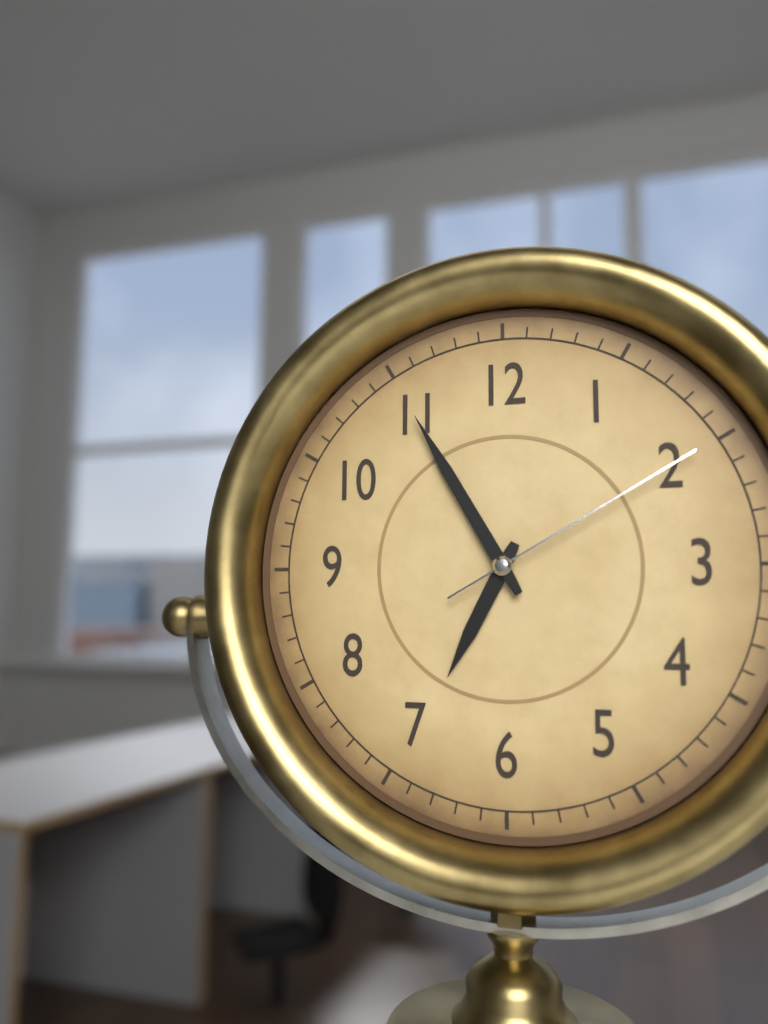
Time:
h=6 m=55 s=10
